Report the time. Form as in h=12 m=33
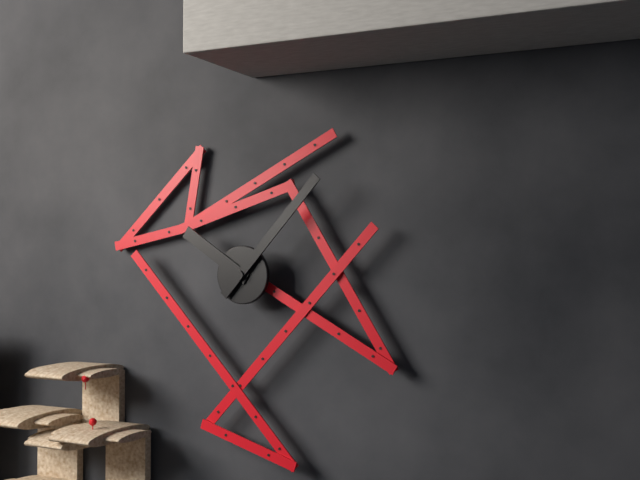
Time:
h=10 m=7
